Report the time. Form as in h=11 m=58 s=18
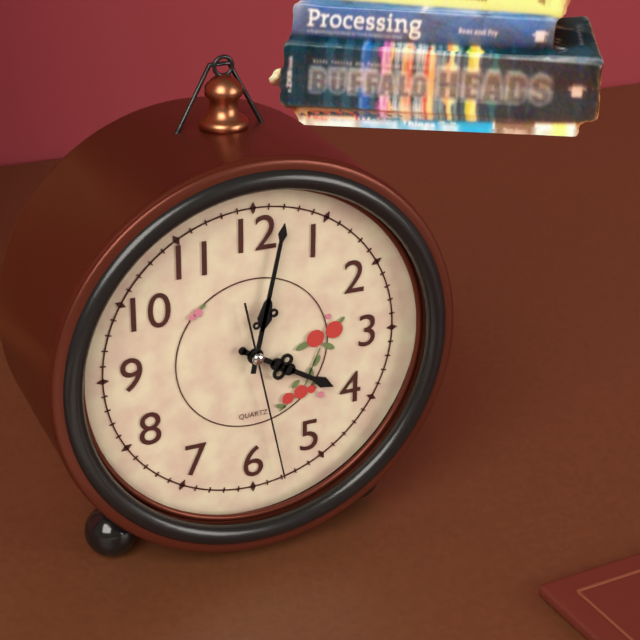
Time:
h=4 m=2 s=28
